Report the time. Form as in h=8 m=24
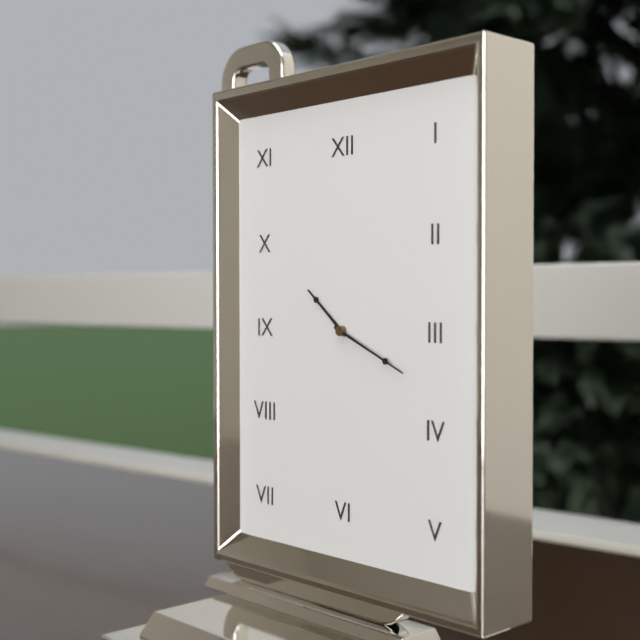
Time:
h=10 m=19
